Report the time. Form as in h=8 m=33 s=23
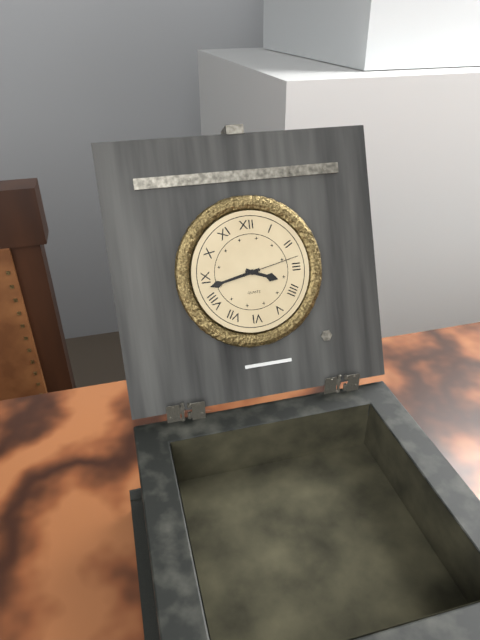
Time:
h=3 m=43 s=13
